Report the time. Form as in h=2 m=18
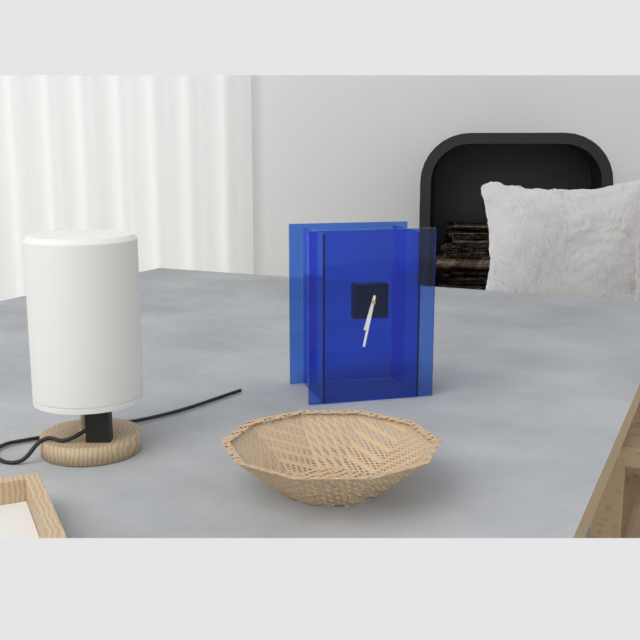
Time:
h=6 m=32
